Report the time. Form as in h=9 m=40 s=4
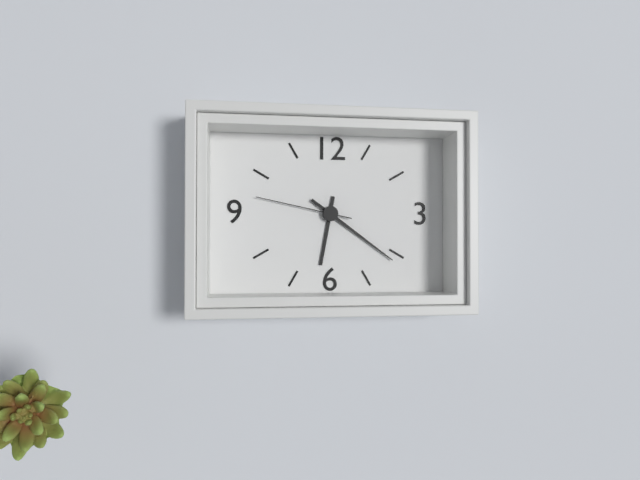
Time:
h=6 m=21 s=47
